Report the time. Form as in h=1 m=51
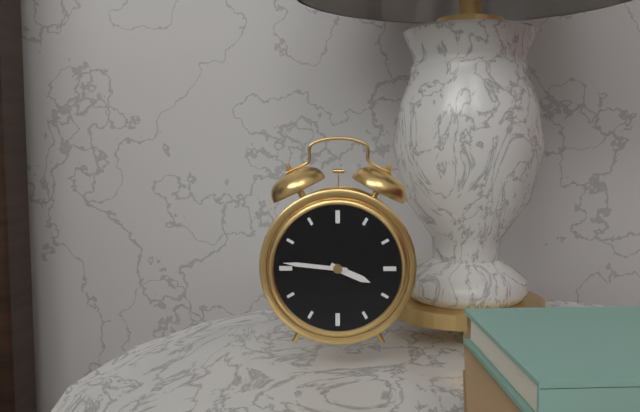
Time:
h=3 m=46
